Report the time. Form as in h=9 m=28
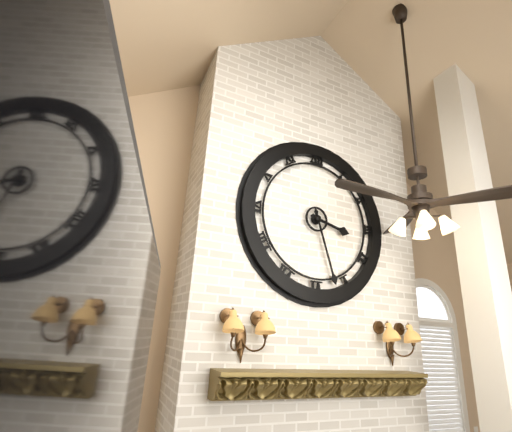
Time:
h=3 m=27
